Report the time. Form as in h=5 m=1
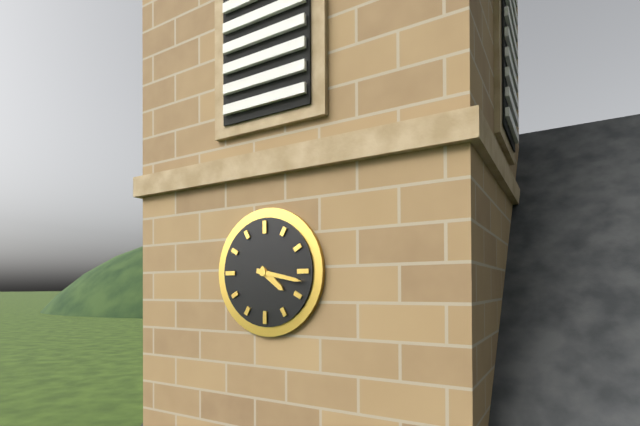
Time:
h=4 m=17
